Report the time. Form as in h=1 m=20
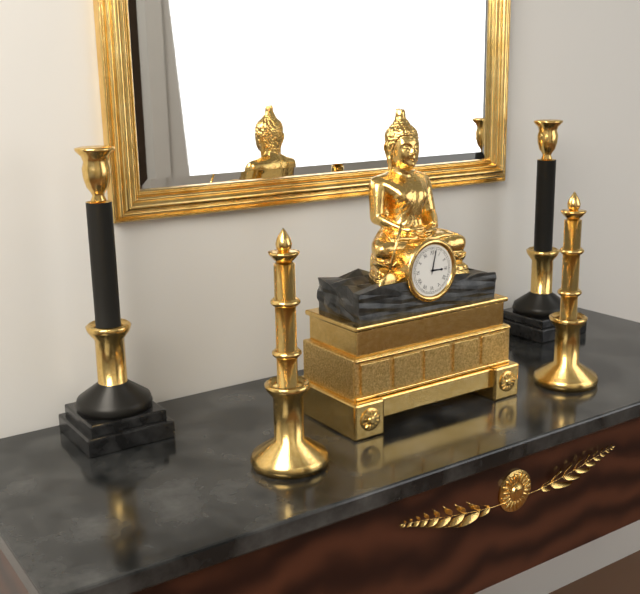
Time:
h=3 m=2
